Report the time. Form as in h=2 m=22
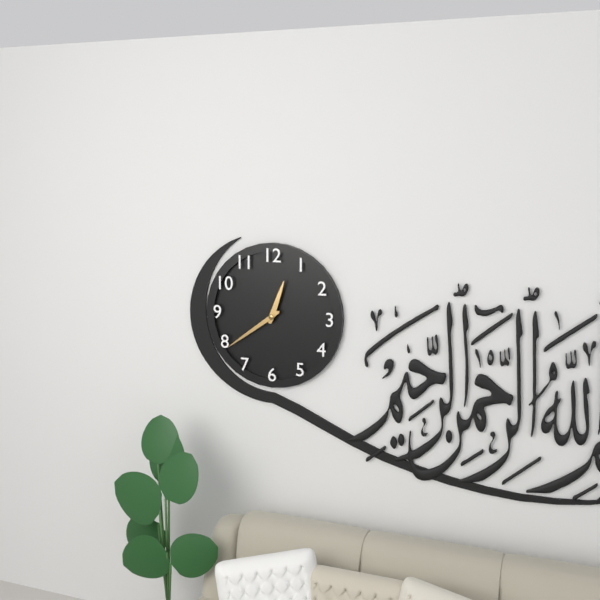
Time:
h=12 m=39
